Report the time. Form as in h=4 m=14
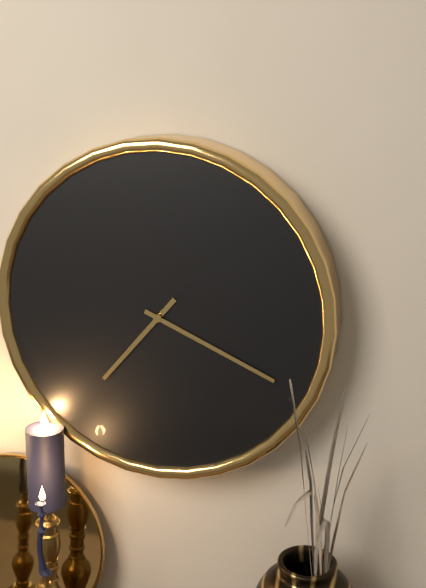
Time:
h=7 m=19
